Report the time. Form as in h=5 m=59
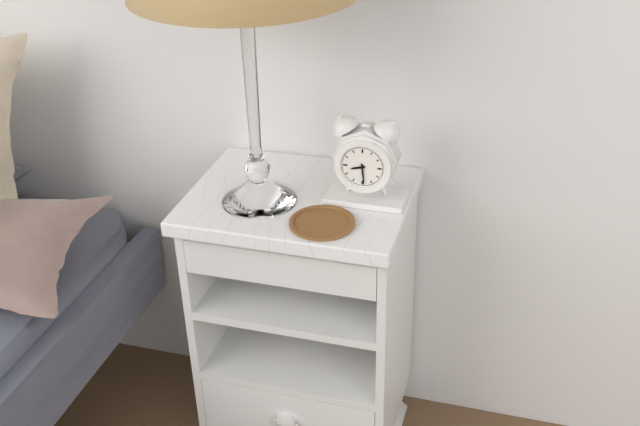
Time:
h=8 m=29
